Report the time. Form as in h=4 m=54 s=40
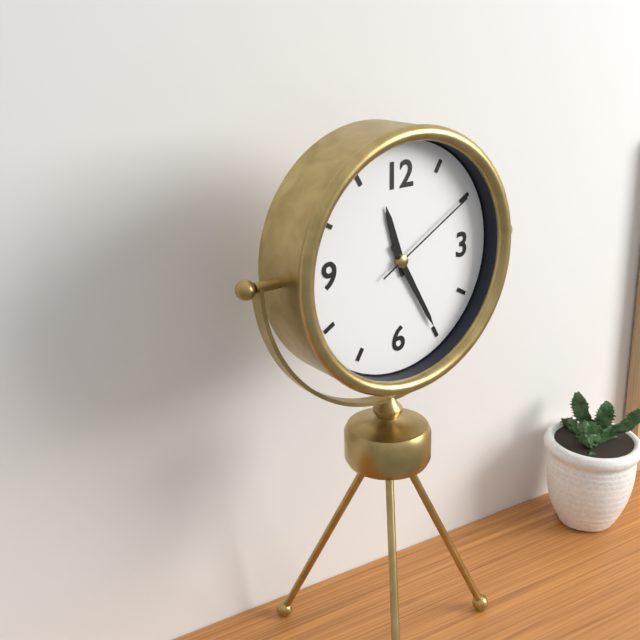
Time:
h=11 m=25 s=10
